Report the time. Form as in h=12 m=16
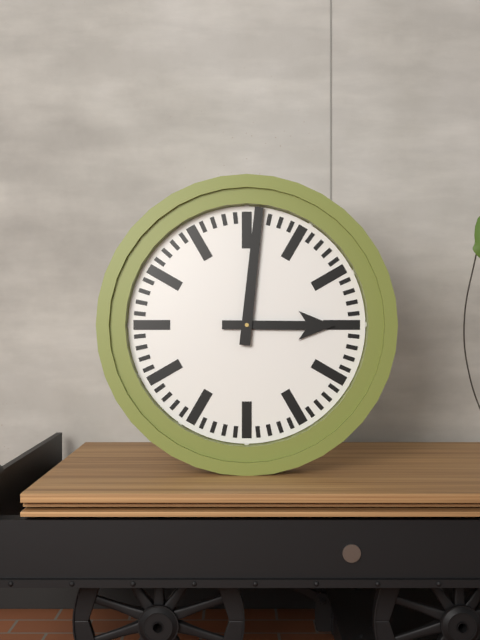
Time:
h=3 m=1
